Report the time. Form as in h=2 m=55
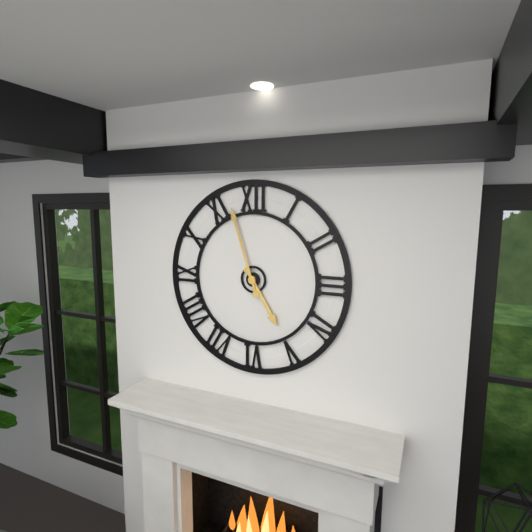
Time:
h=4 m=57
